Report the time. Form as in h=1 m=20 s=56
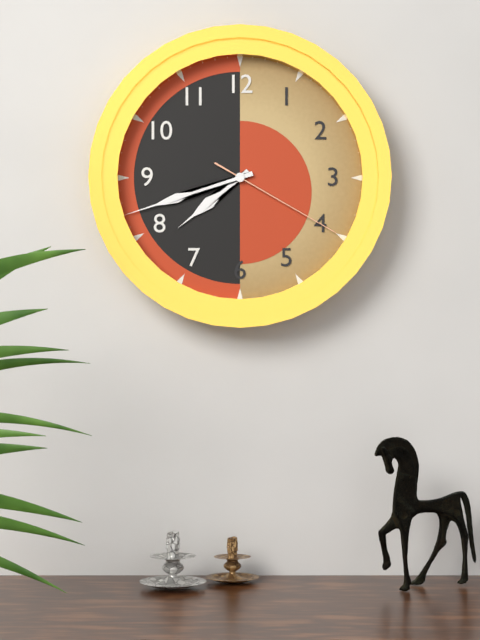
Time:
h=7 m=42 s=20
